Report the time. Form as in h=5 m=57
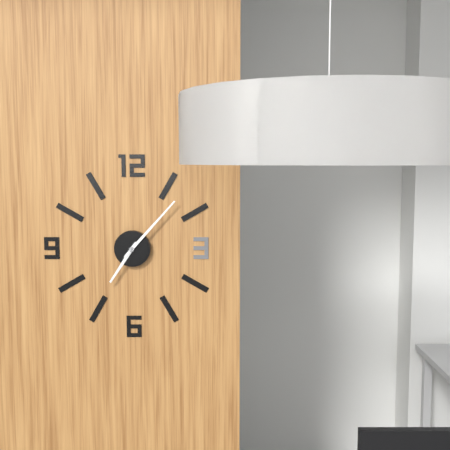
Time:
h=7 m=7
